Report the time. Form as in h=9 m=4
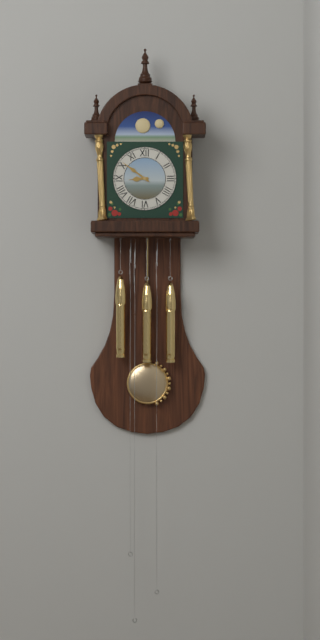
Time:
h=8 m=51
